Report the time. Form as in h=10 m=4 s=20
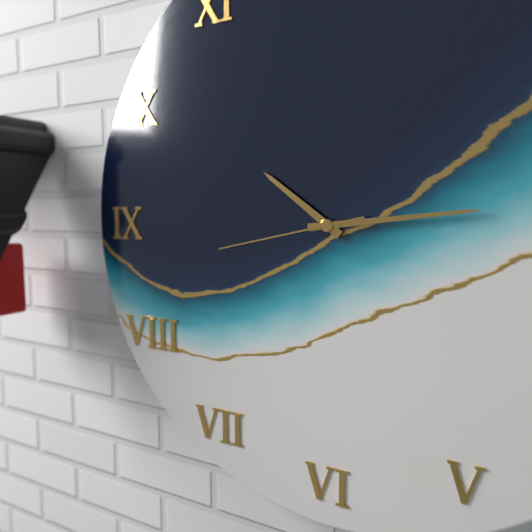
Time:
h=10 m=14 s=43
